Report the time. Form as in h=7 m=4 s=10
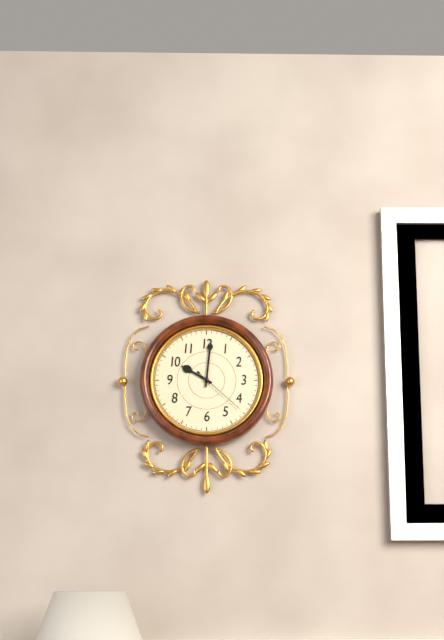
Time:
h=10 m=1 s=22
